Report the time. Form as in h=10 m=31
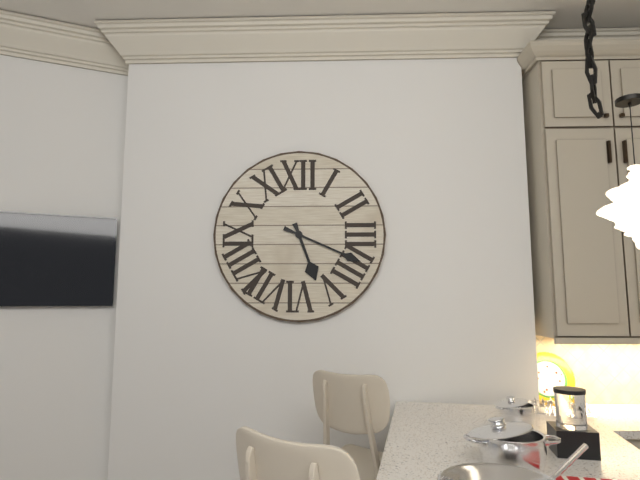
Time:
h=5 m=19
